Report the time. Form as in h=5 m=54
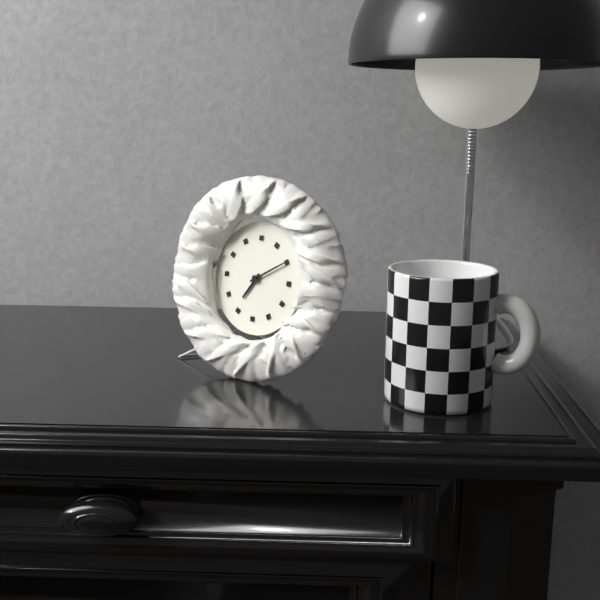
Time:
h=7 m=10
